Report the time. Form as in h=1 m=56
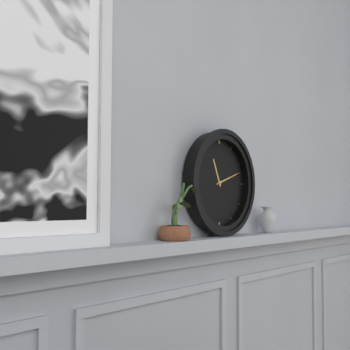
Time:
h=11 m=12
